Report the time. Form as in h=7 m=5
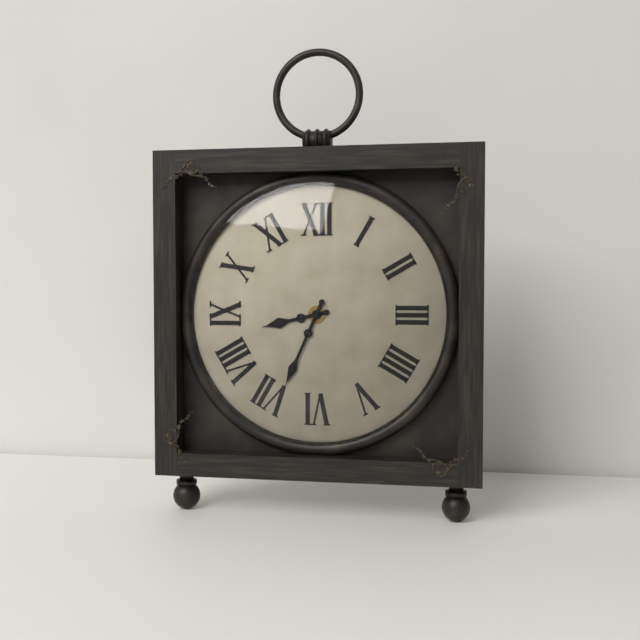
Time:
h=8 m=34
